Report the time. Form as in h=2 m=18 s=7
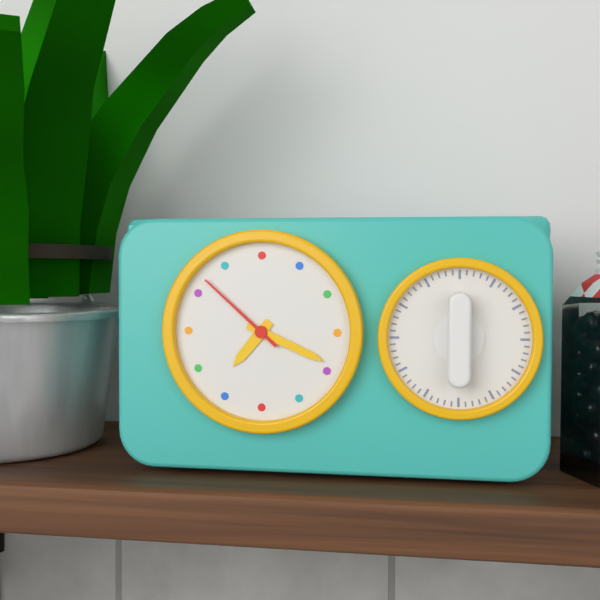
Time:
h=7 m=19 s=52
